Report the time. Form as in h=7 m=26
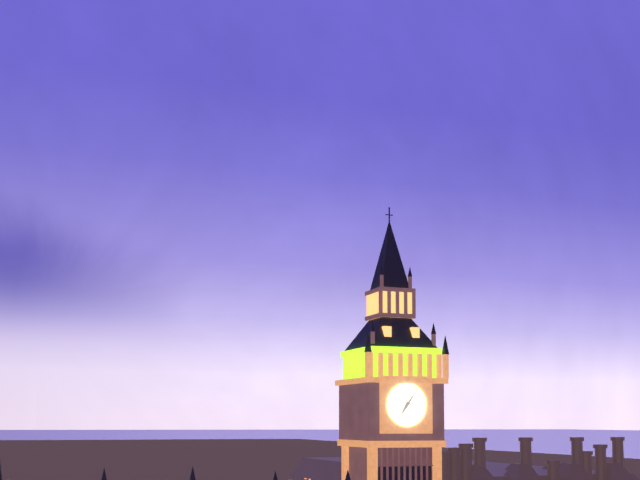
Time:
h=7 m=6
